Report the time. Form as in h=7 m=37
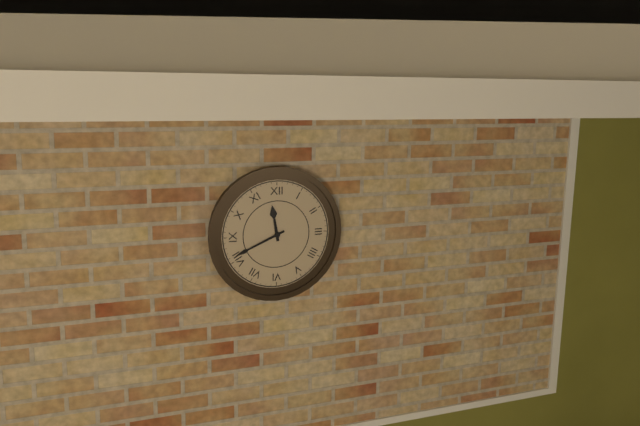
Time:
h=11 m=41
